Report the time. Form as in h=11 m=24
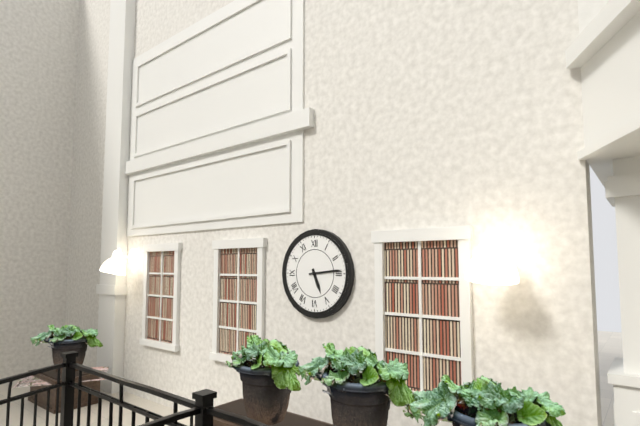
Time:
h=5 m=14
